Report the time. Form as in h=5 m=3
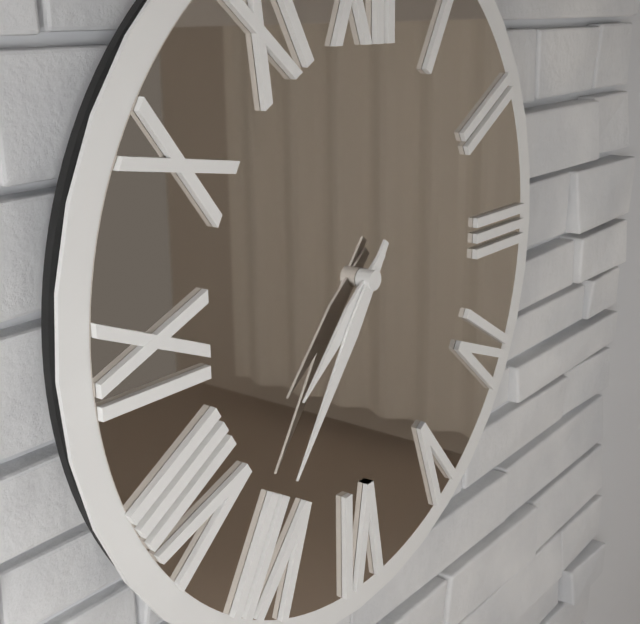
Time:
h=7 m=36
